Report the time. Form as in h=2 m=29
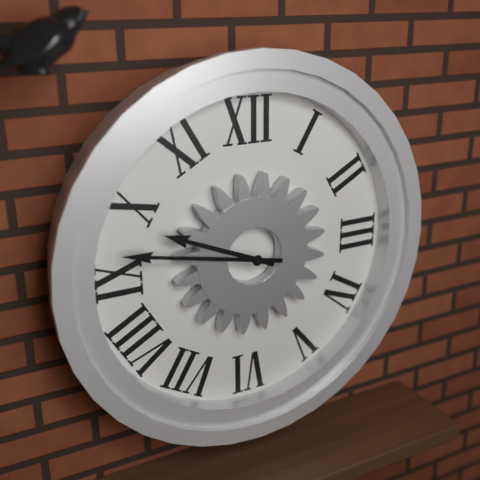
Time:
h=9 m=47
